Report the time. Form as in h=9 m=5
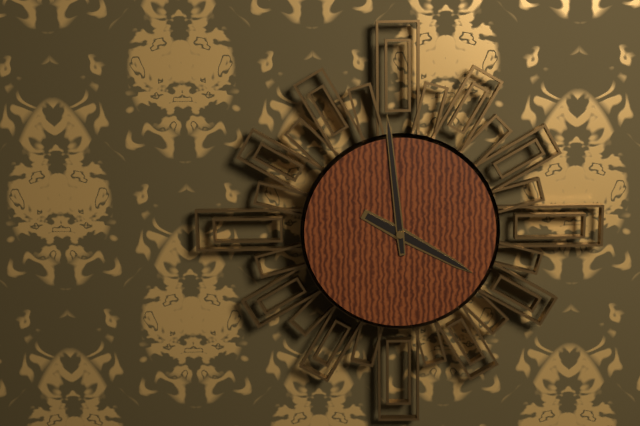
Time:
h=3 m=59
